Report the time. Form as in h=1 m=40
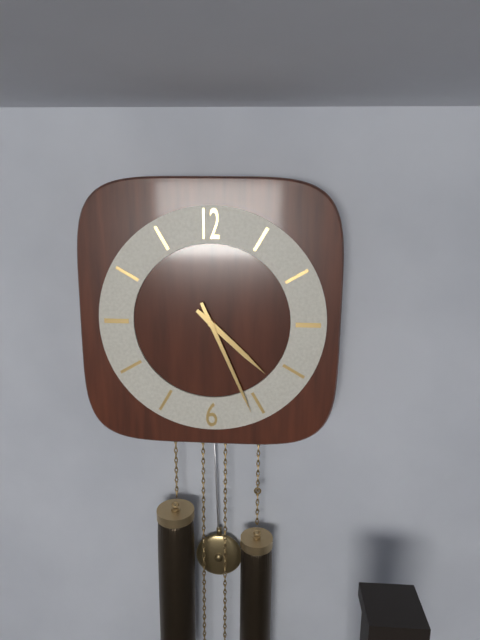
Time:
h=4 m=26
